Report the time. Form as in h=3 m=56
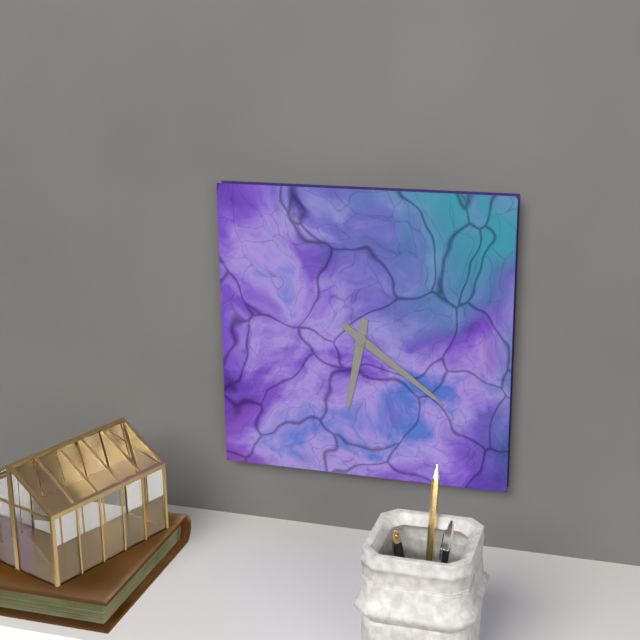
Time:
h=6 m=21
